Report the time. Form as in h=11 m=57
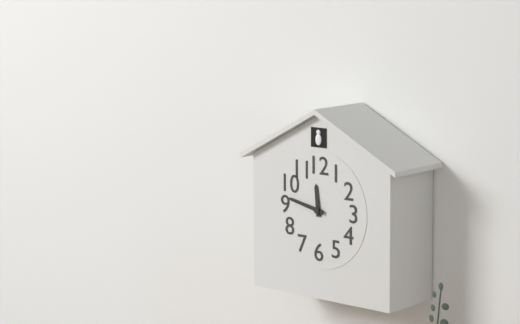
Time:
h=11 m=47
